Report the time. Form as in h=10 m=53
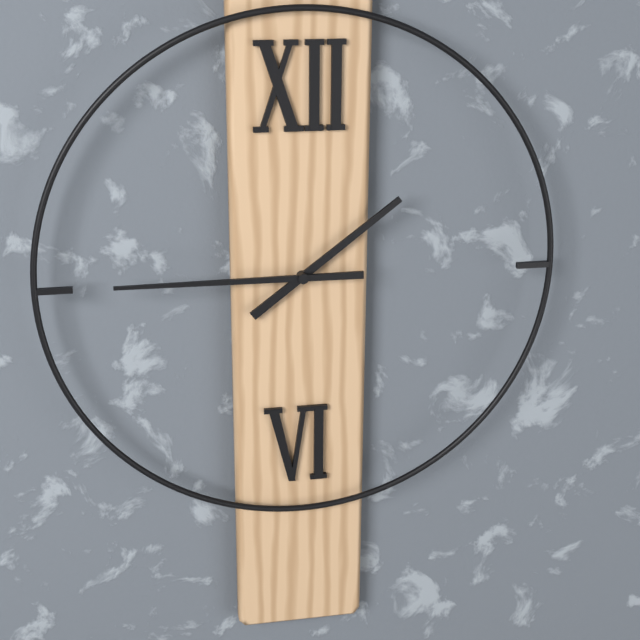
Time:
h=1 m=45
